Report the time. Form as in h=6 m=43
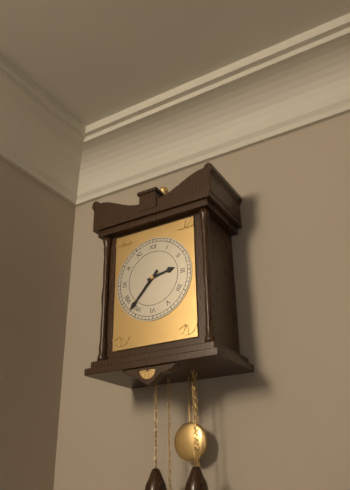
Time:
h=2 m=37
